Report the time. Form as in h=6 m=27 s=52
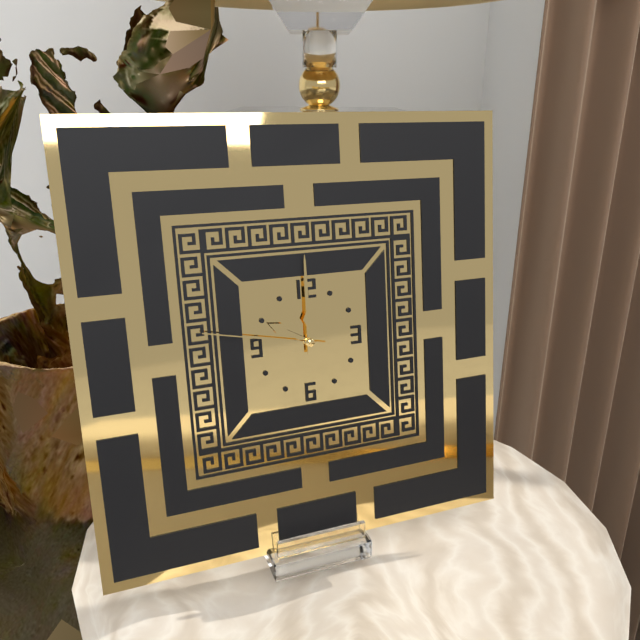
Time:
h=10 m=0 s=47
